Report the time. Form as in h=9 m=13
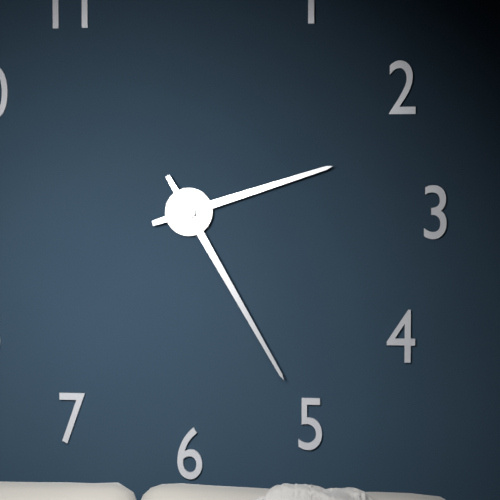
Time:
h=2 m=25
